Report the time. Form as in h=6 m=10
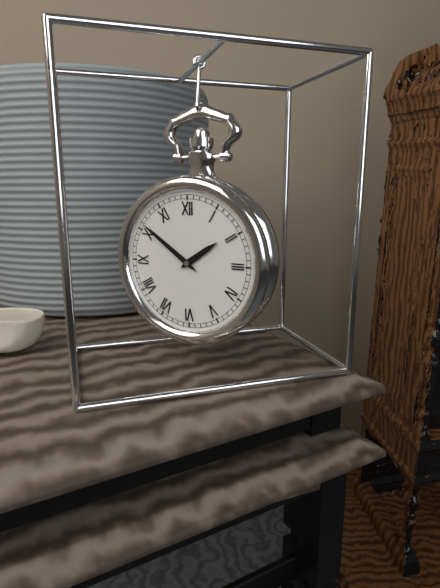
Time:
h=1 m=51
